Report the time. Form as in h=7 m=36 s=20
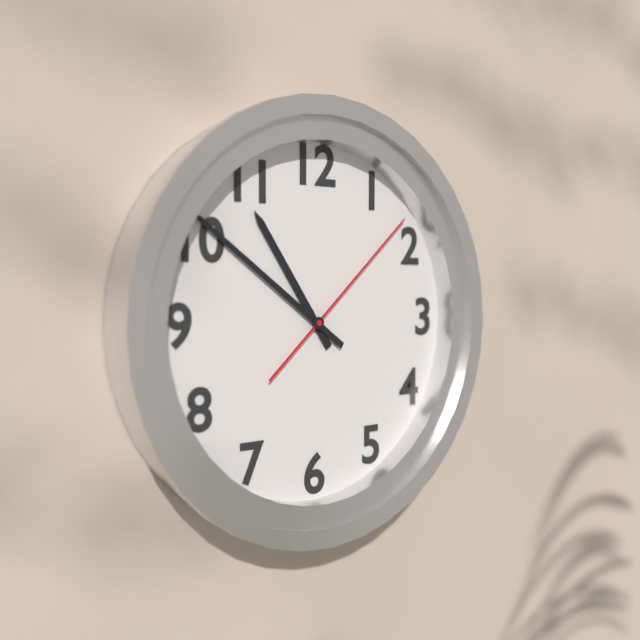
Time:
h=10 m=51 s=8
